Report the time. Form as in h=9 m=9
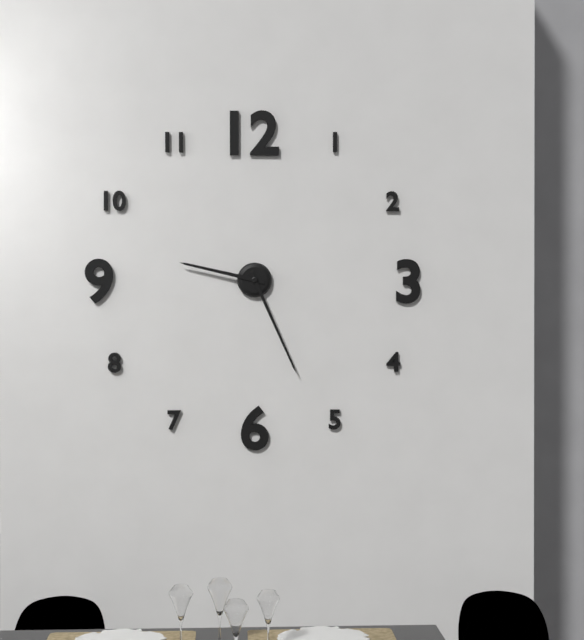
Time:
h=9 m=26
